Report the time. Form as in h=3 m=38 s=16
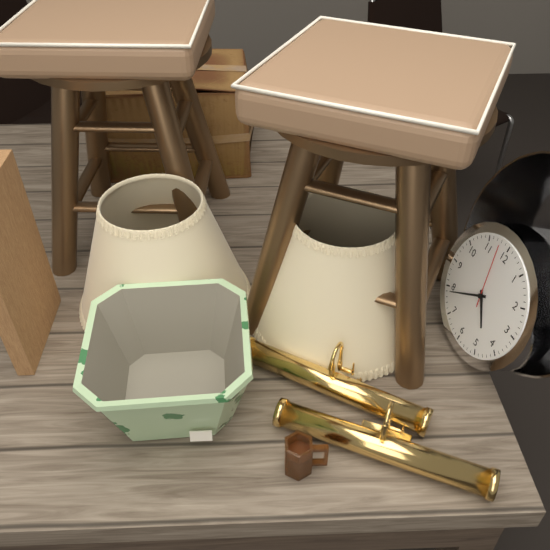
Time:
h=4 m=39 s=58
